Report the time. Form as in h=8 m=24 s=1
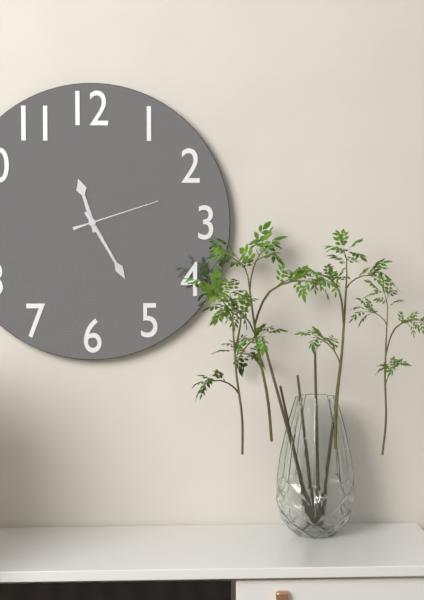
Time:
h=11 m=25 s=12
